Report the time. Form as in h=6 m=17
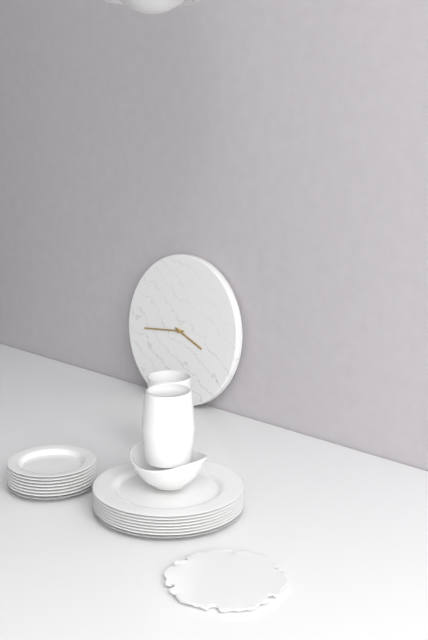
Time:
h=3 m=44
